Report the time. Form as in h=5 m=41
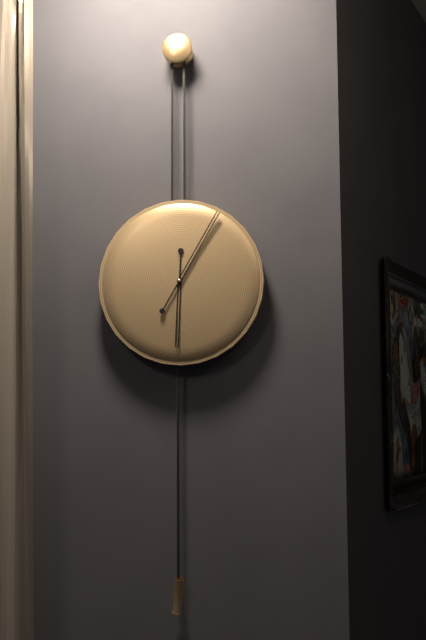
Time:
h=6 m=5
